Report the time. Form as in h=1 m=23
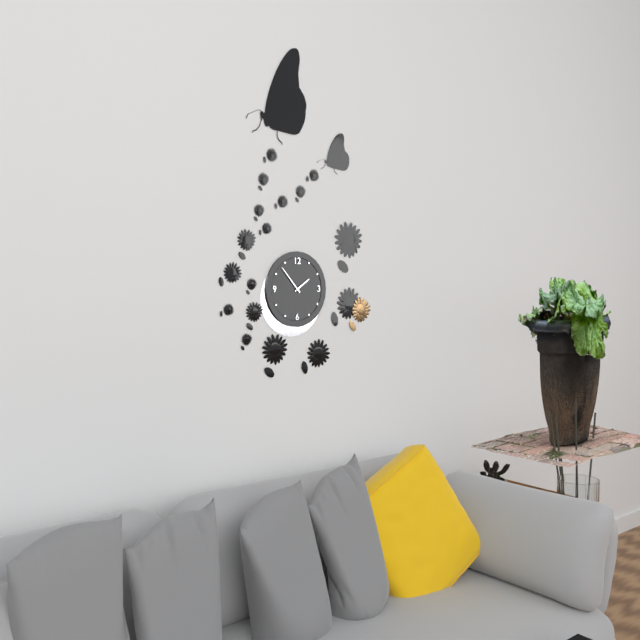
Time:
h=1 m=53
